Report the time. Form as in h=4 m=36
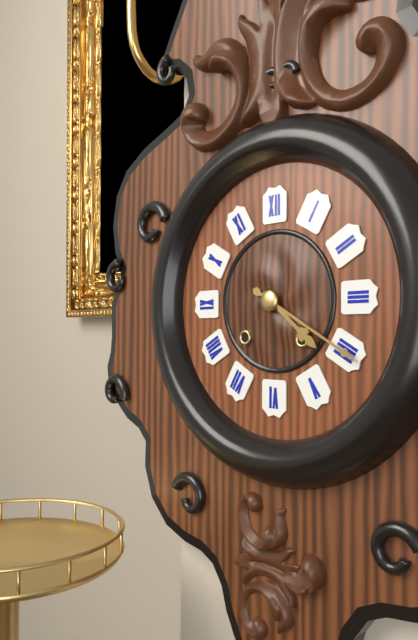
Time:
h=4 m=20
